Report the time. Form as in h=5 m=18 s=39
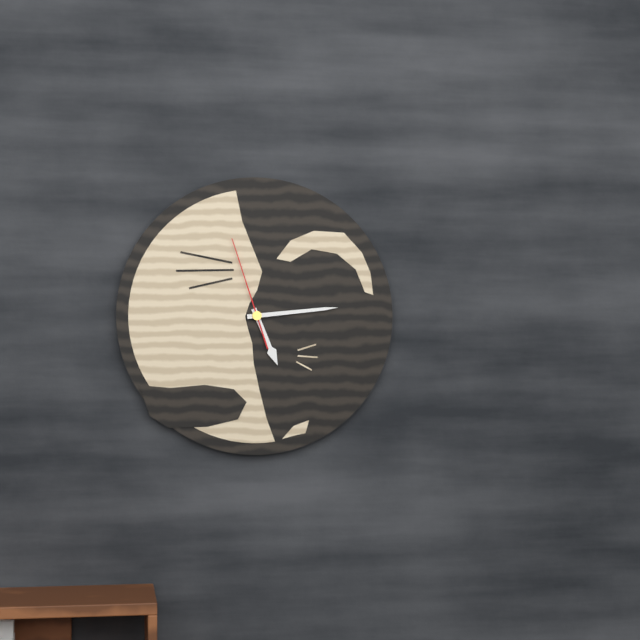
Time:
h=5 m=14 s=57
